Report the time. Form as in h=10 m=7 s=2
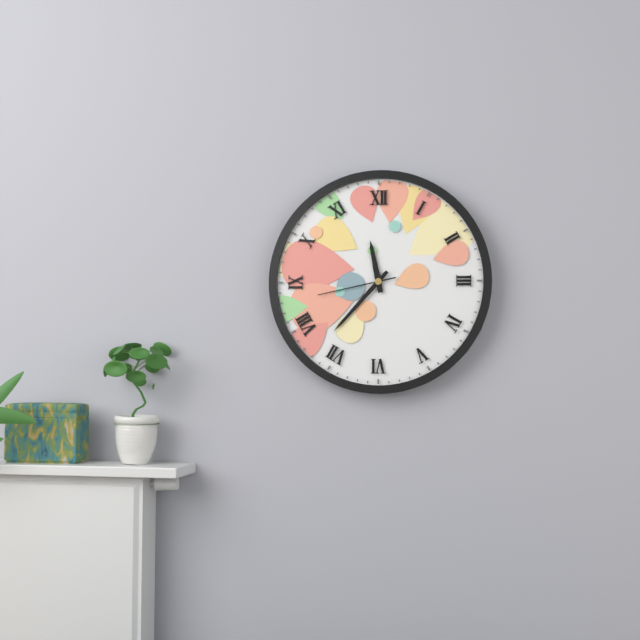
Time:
h=11 m=37 s=43
